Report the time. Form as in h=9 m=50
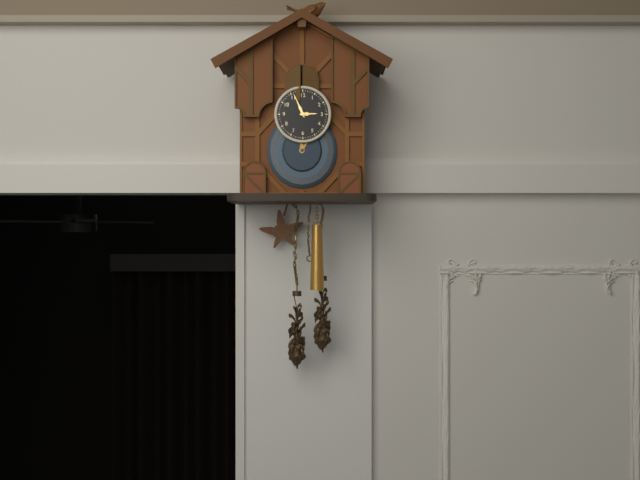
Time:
h=2 m=56
